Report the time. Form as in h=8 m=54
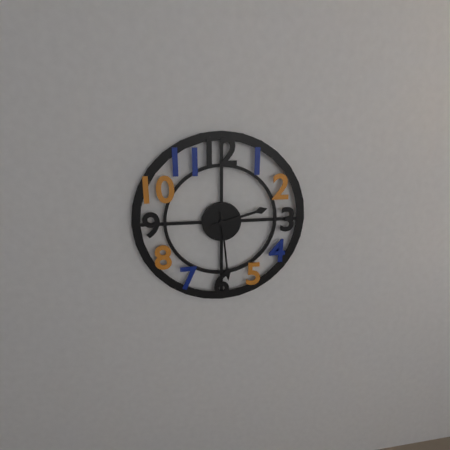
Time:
h=2 m=29
